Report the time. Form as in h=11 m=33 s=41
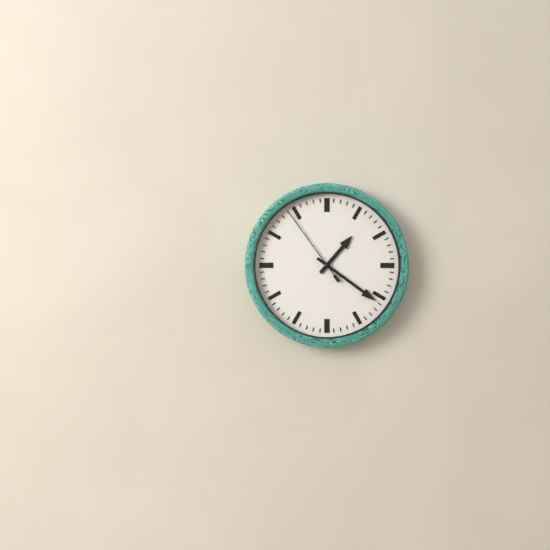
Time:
h=1 m=21 s=54
